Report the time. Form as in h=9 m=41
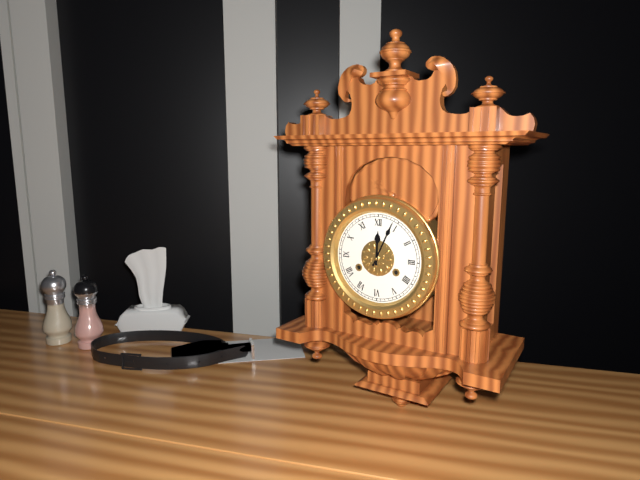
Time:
h=12 m=4
